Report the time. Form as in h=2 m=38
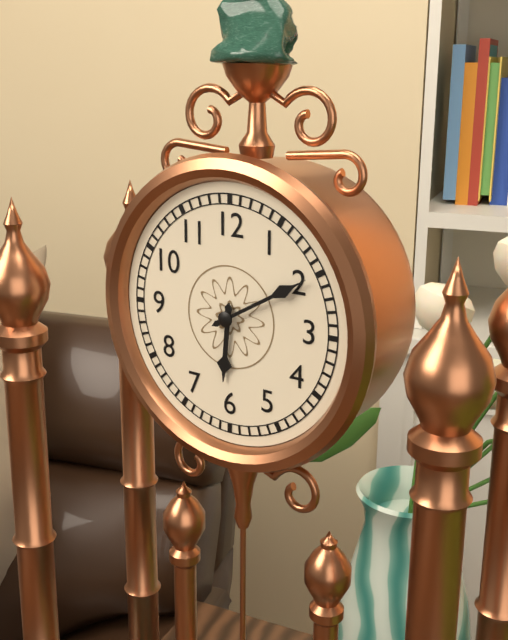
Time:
h=6 m=10
